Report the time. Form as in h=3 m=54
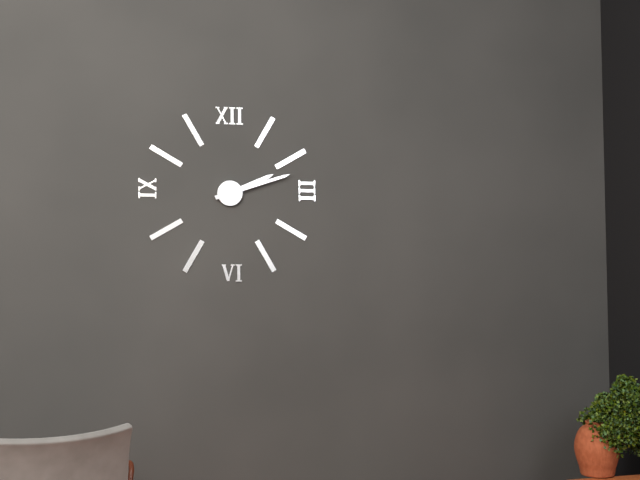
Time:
h=2 m=12
